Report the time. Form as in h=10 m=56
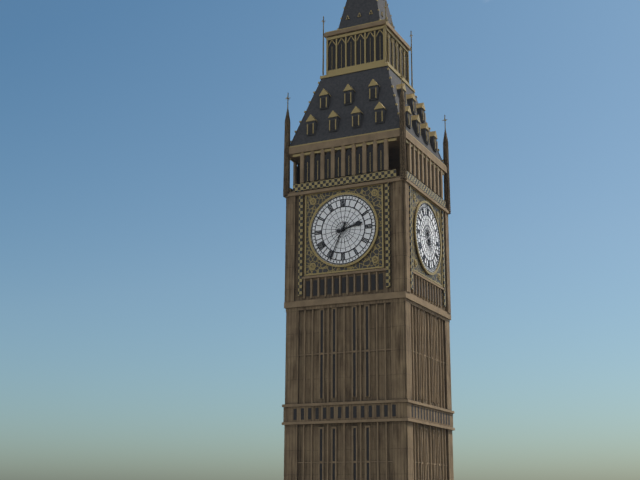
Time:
h=2 m=34
